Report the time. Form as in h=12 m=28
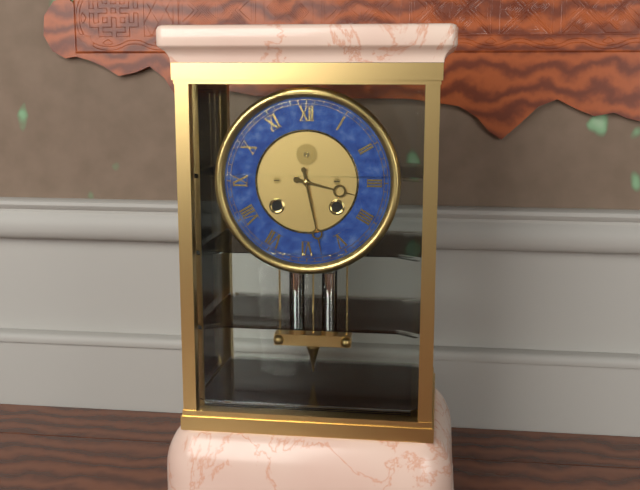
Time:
h=3 m=28
